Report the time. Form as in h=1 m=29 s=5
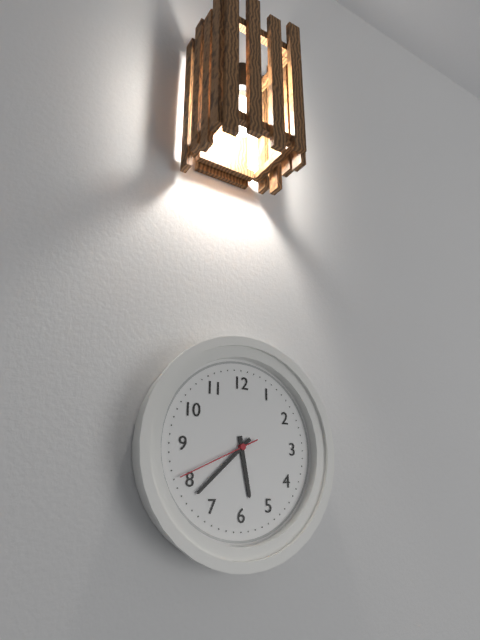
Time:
h=5 m=38 s=41
